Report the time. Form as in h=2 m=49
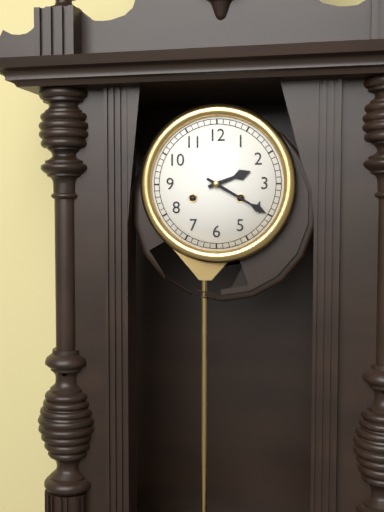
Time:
h=2 m=20
